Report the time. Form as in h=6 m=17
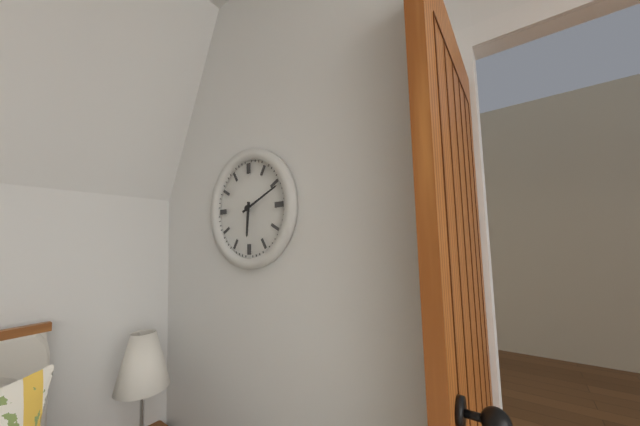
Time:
h=6 m=11
